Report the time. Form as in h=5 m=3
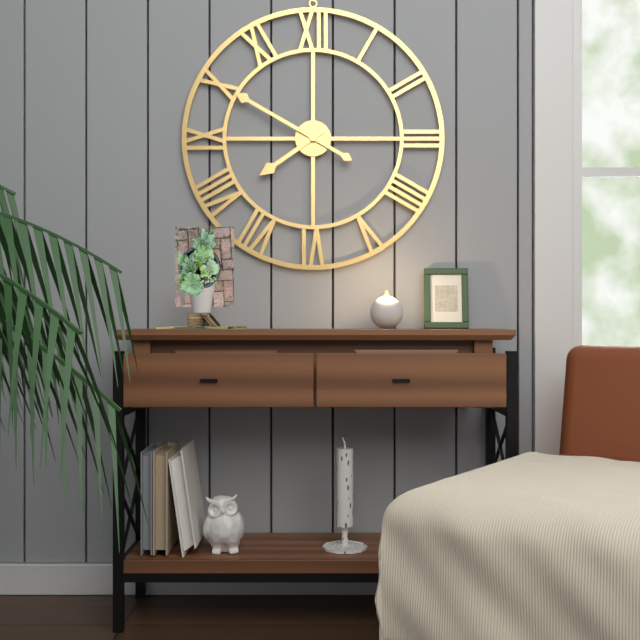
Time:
h=7 m=50
